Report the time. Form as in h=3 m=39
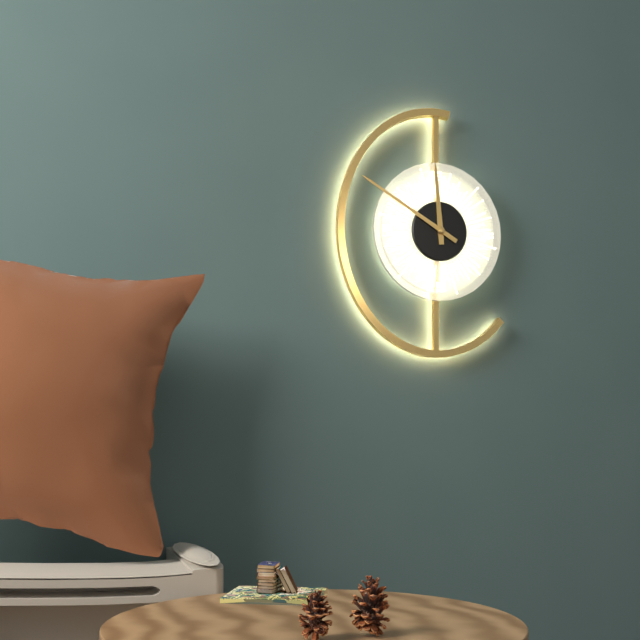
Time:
h=11 m=50
